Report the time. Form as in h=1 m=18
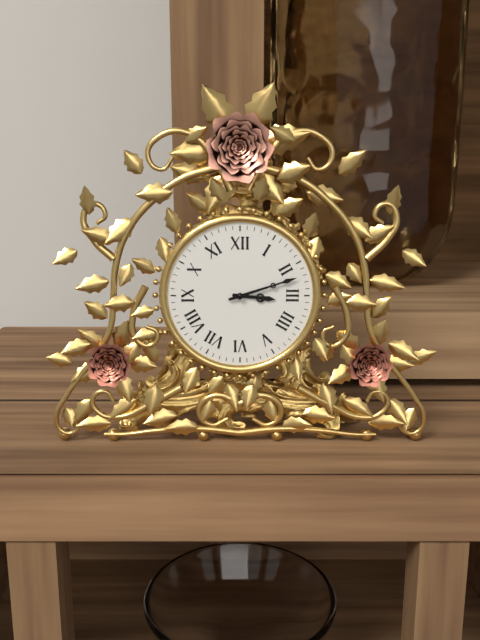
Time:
h=3 m=12
